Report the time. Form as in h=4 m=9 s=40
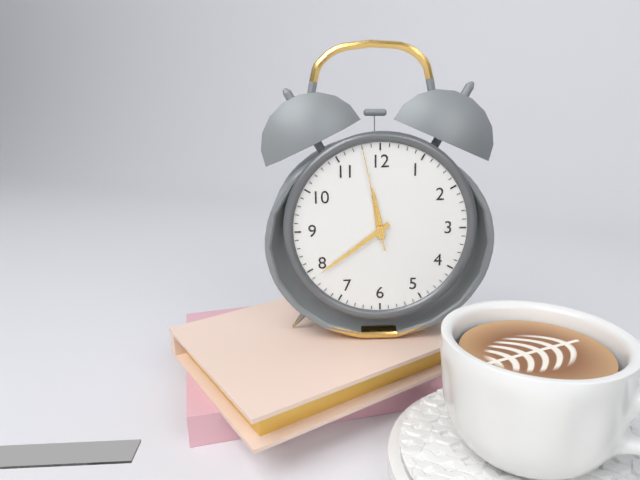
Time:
h=11 m=39 s=58
